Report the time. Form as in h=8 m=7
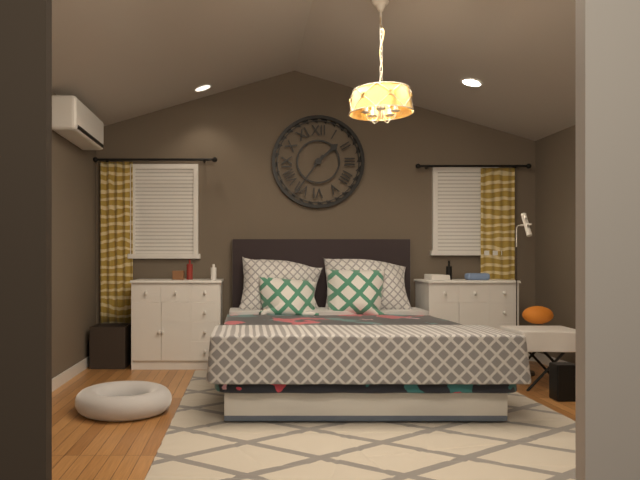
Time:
h=1 m=36
